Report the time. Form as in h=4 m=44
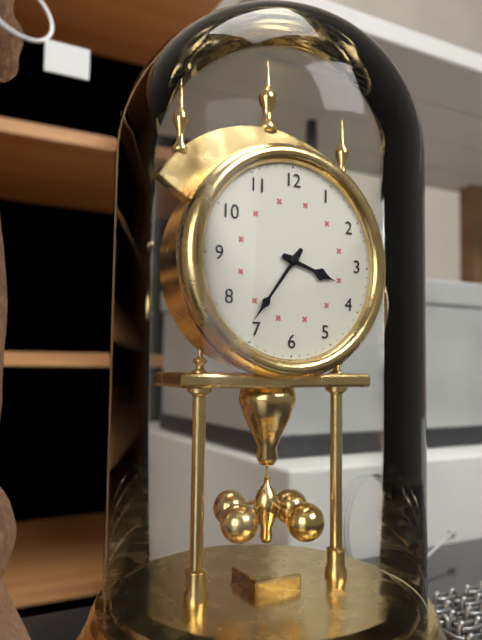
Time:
h=3 m=36
